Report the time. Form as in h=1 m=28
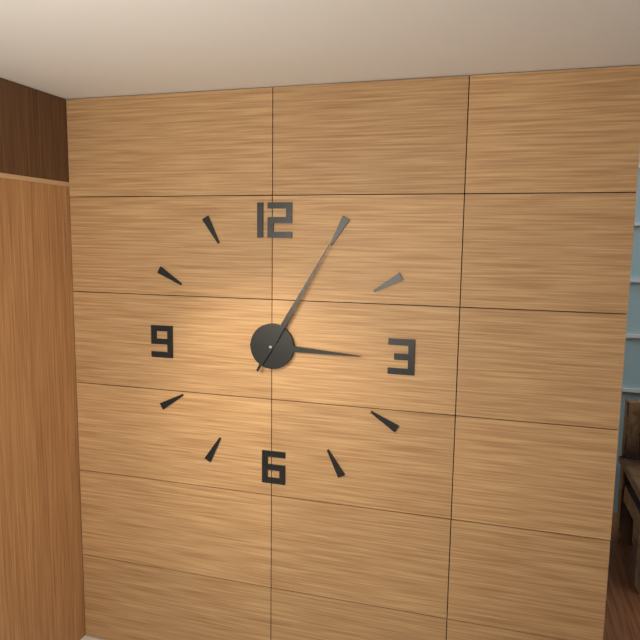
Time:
h=3 m=5
